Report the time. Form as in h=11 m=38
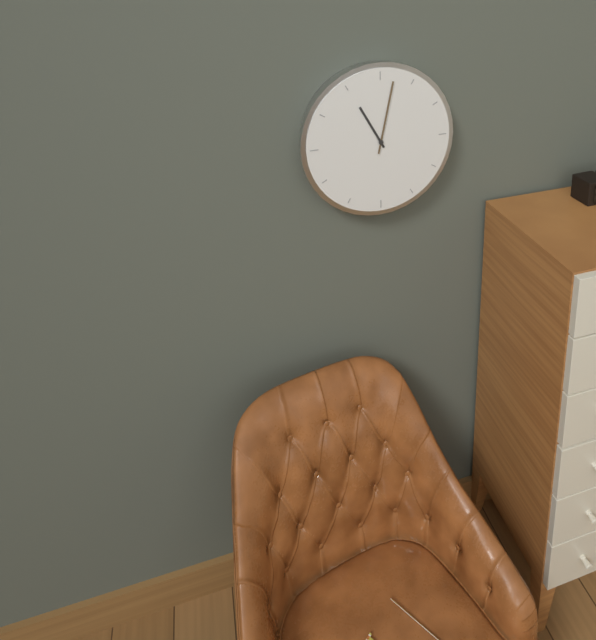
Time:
h=11 m=2
